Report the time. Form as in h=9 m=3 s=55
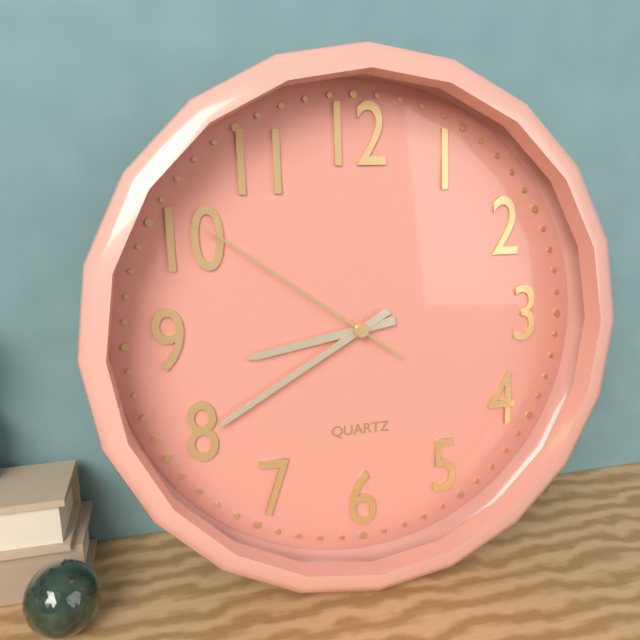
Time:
h=8 m=40 s=51
